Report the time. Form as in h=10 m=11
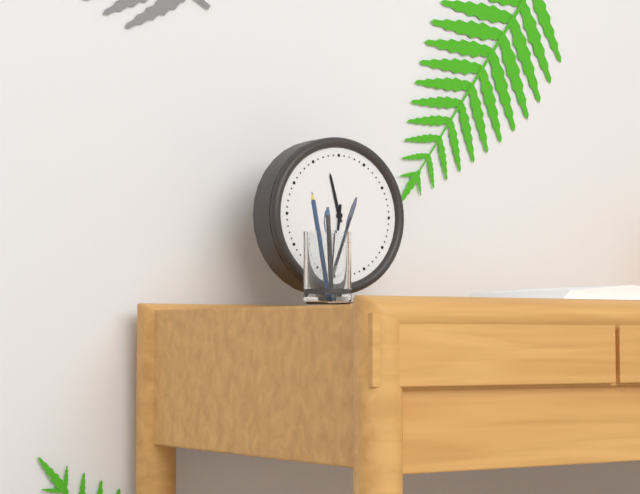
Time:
h=11 m=31
